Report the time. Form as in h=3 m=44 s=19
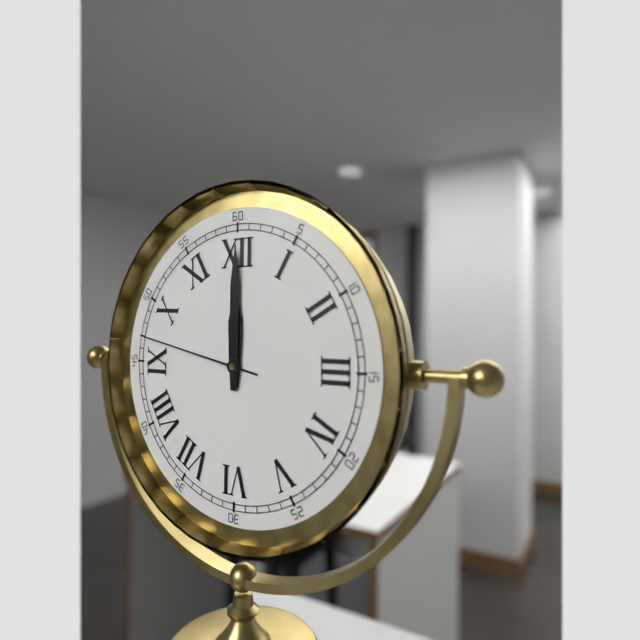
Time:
h=12 m=0 s=47
